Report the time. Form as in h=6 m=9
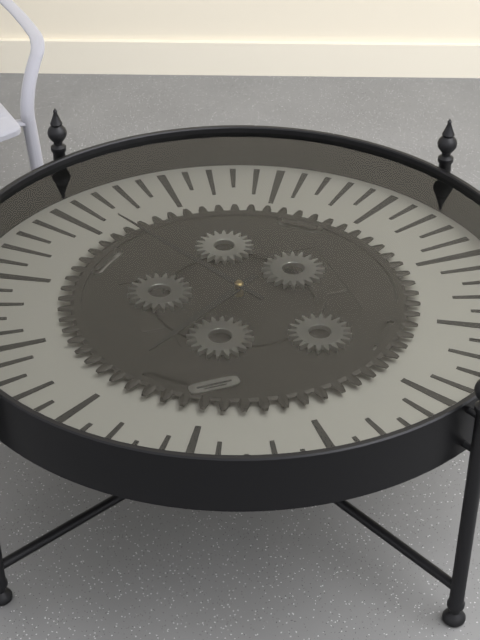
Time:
h=7 m=56
